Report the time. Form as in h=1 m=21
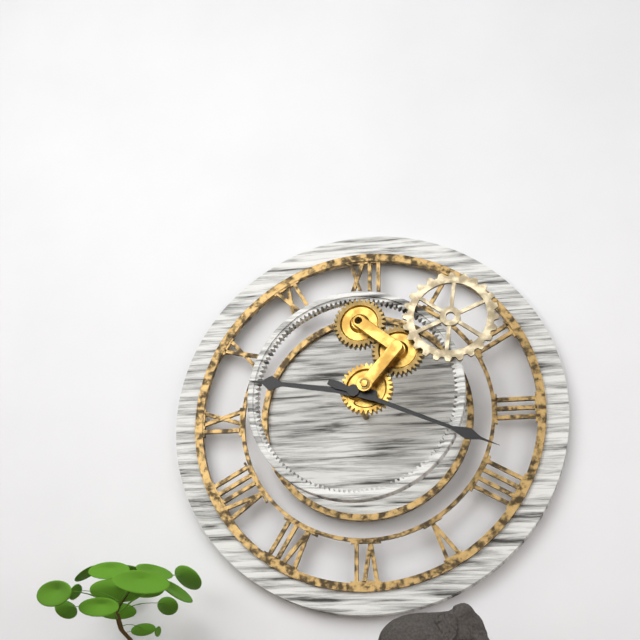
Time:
h=9 m=19
